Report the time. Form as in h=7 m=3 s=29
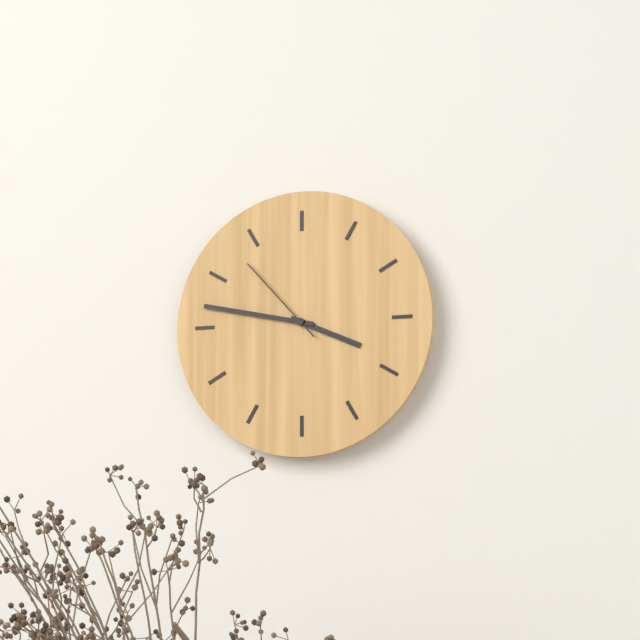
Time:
h=3 m=47 s=53
